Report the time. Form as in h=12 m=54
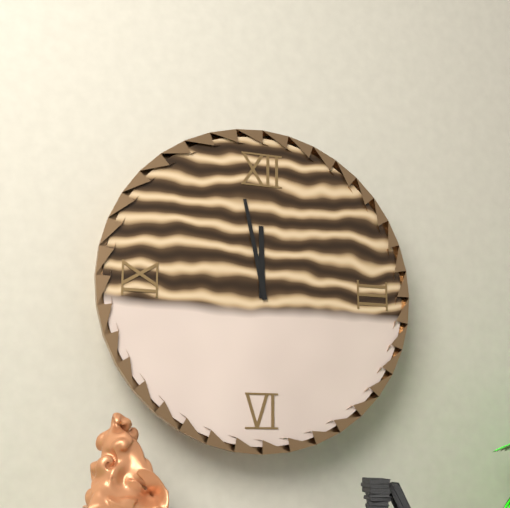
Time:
h=11 m=58
